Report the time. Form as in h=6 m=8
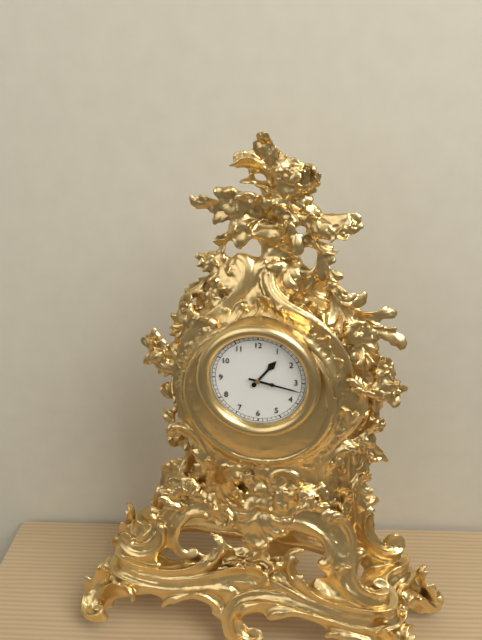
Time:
h=1 m=17
